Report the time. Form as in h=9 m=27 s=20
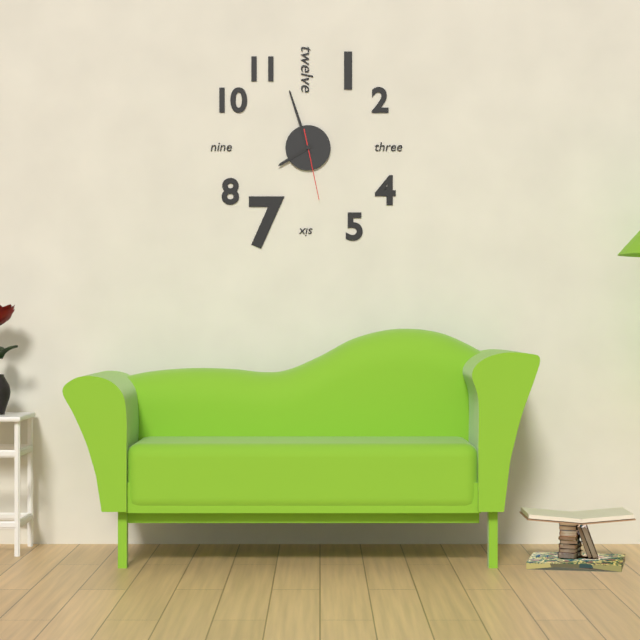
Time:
h=7 m=57 s=28
